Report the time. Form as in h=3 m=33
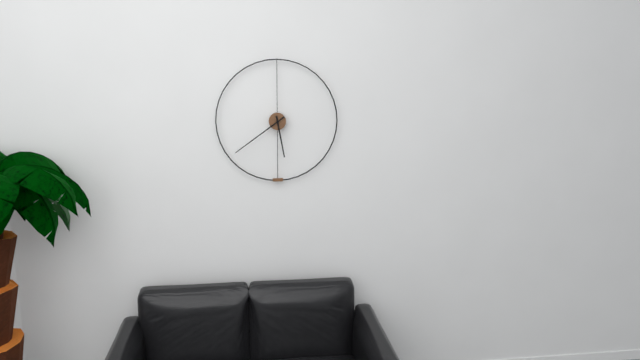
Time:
h=5 m=39
